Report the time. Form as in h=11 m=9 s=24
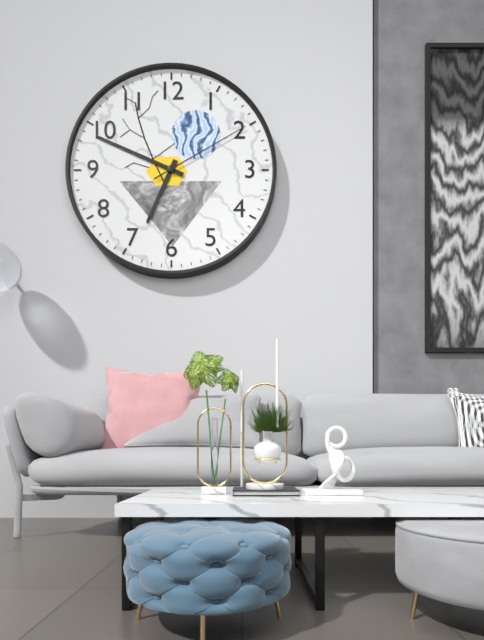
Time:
h=6 m=49 s=10
